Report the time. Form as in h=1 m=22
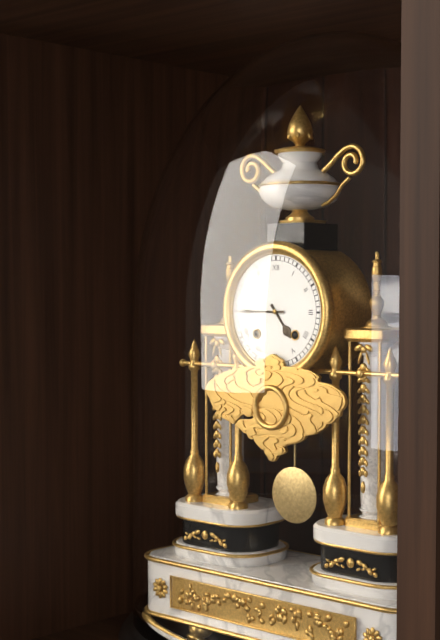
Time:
h=4 m=45
